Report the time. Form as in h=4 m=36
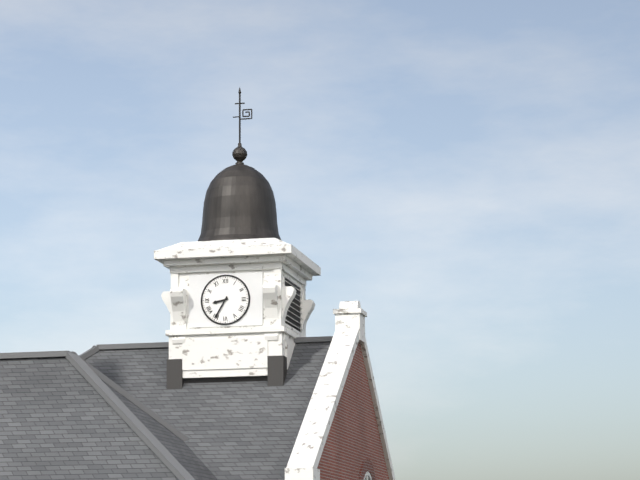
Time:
h=8 m=35
